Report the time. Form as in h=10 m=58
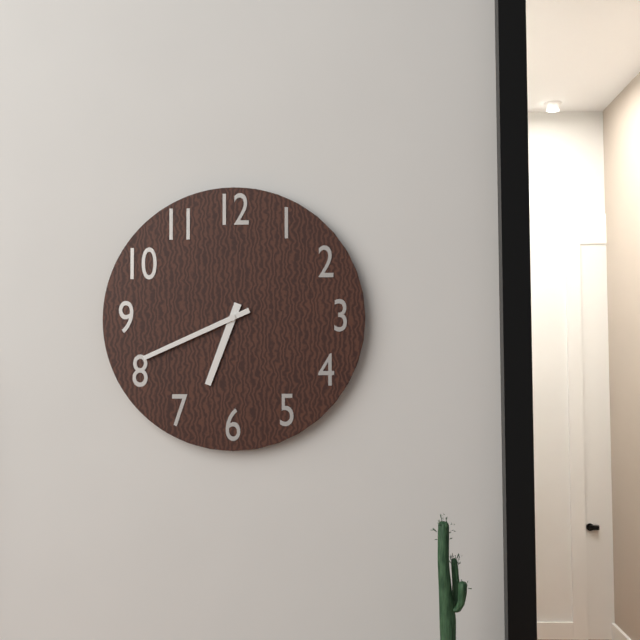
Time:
h=6 m=41
